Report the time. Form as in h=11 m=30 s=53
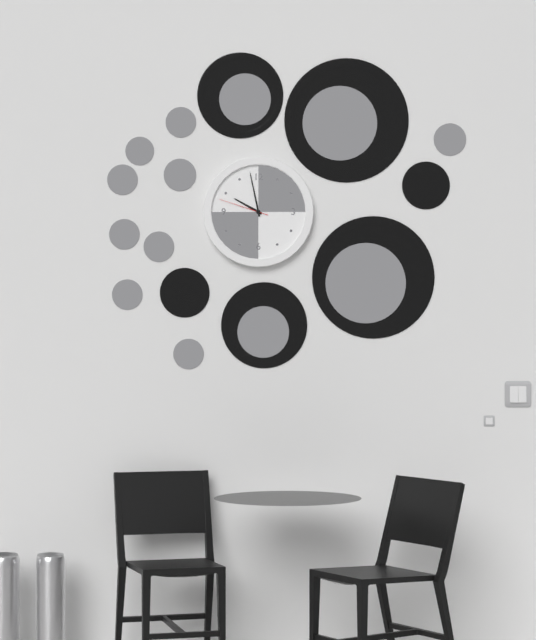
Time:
h=9 m=58 s=48
